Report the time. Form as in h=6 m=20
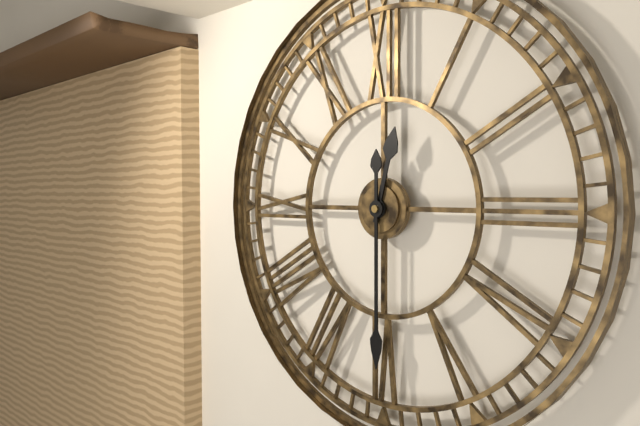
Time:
h=12 m=30
